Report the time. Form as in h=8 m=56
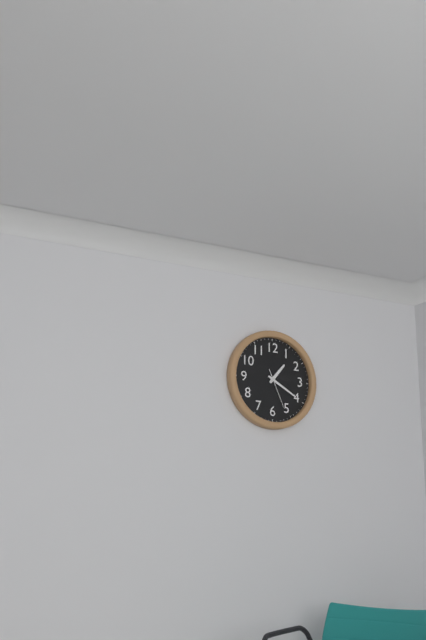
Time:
h=1 m=20
